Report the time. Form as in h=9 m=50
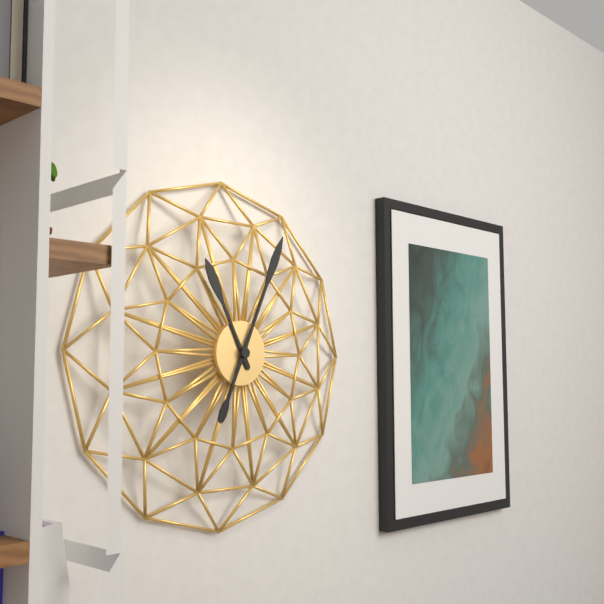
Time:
h=11 m=4
